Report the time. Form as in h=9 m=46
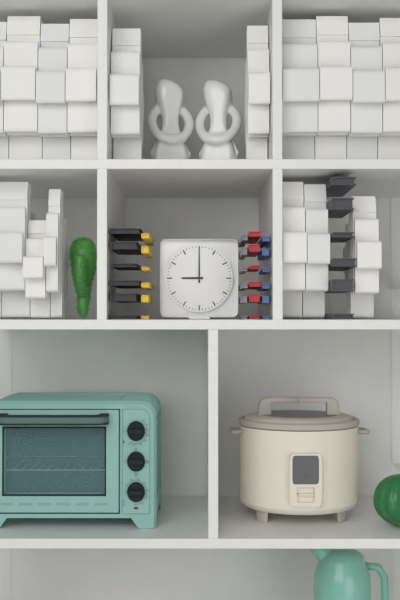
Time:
h=9 m=0
